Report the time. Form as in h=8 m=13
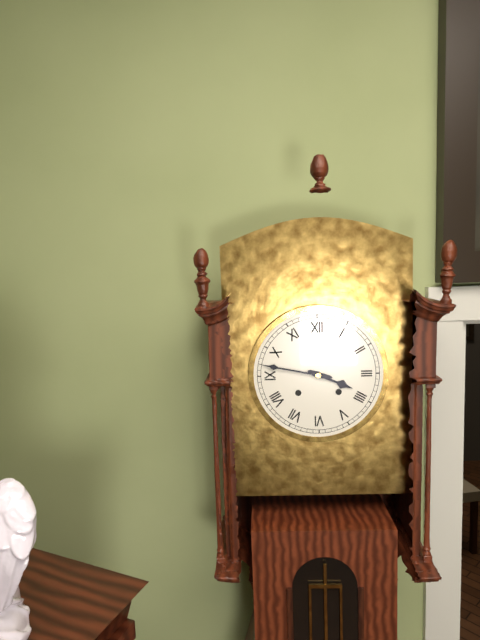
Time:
h=3 m=47
